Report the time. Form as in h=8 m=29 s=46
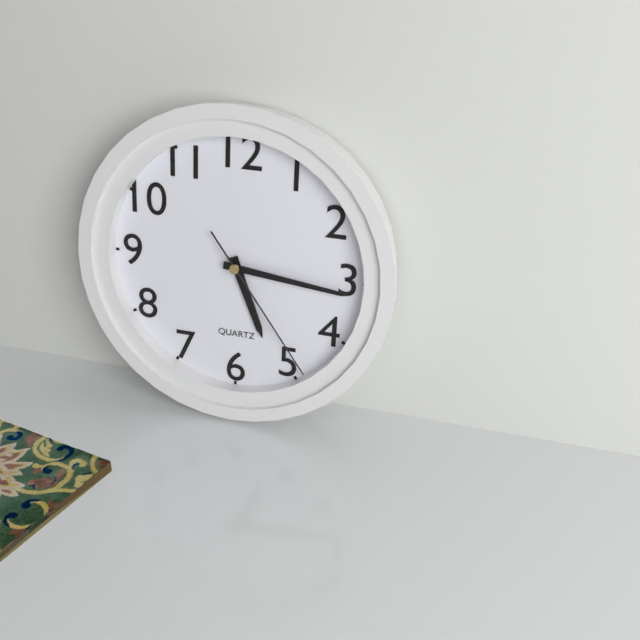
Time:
h=5 m=16 s=24
